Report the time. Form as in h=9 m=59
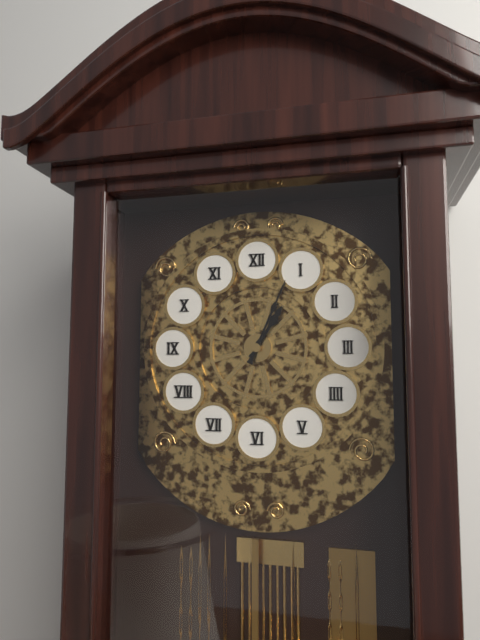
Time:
h=1 m=4
